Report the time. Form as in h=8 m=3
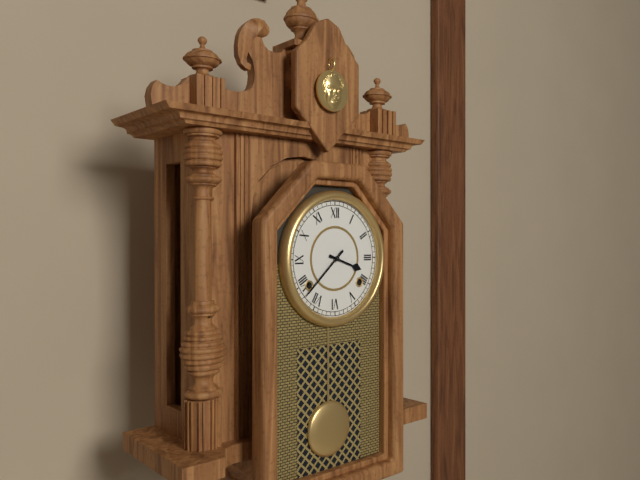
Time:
h=3 m=38
